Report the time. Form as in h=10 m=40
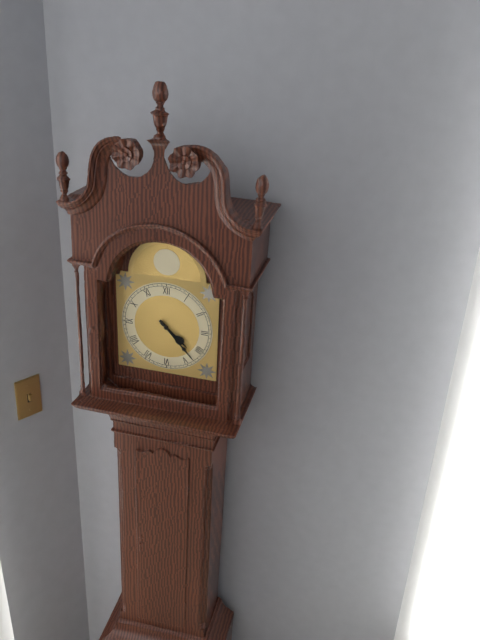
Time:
h=4 m=23
